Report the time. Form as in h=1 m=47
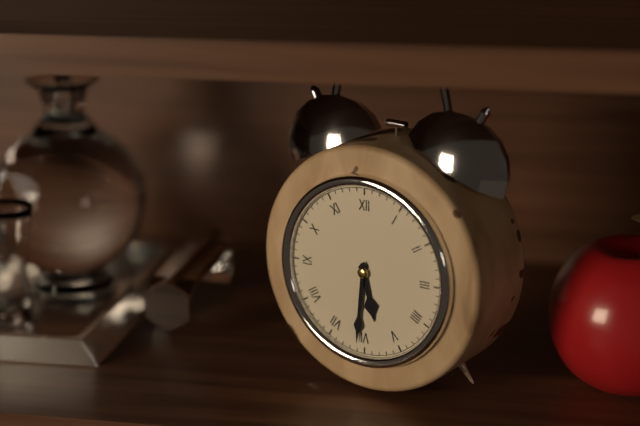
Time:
h=5 m=31
